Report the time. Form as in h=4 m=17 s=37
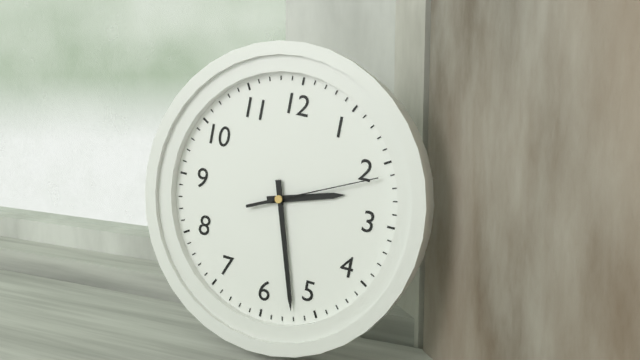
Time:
h=2 m=27 s=11
